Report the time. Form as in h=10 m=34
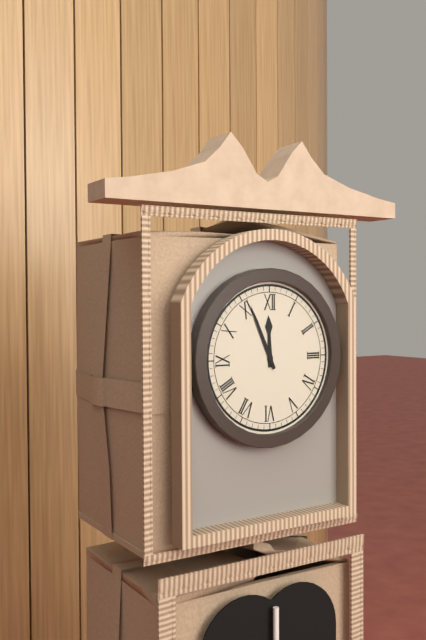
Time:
h=11 m=56
